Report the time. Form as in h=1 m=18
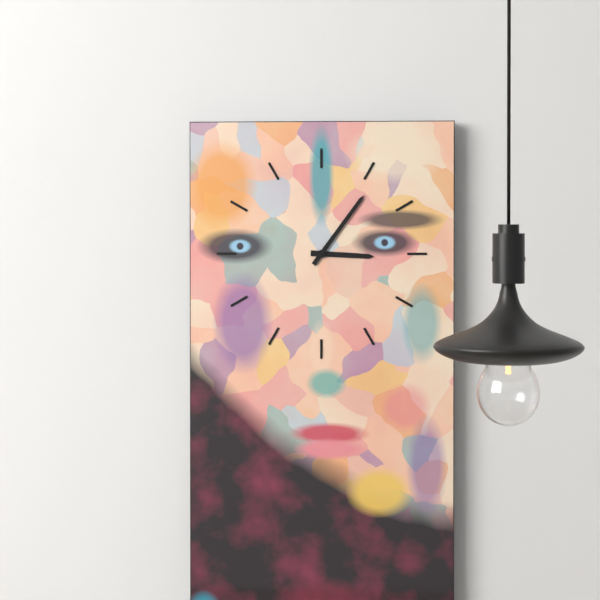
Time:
h=3 m=6
